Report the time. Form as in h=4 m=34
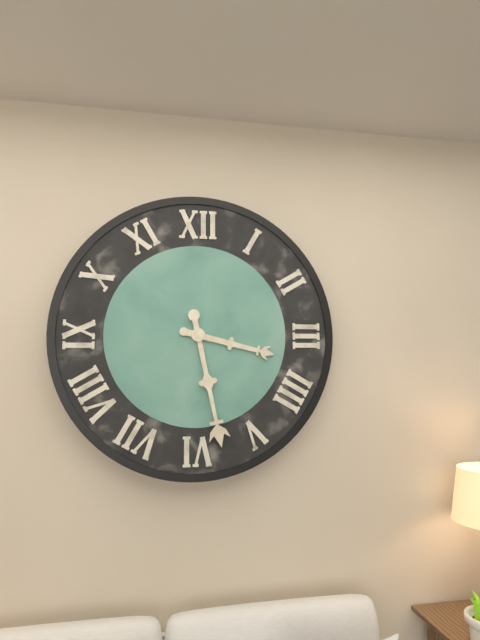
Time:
h=3 m=28
